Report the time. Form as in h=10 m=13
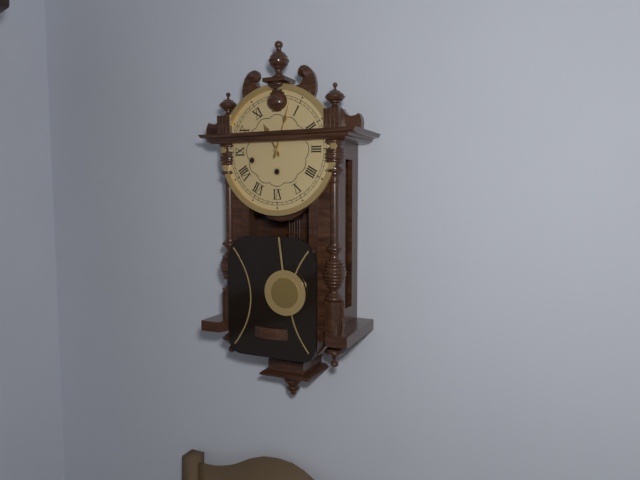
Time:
h=11 m=3
